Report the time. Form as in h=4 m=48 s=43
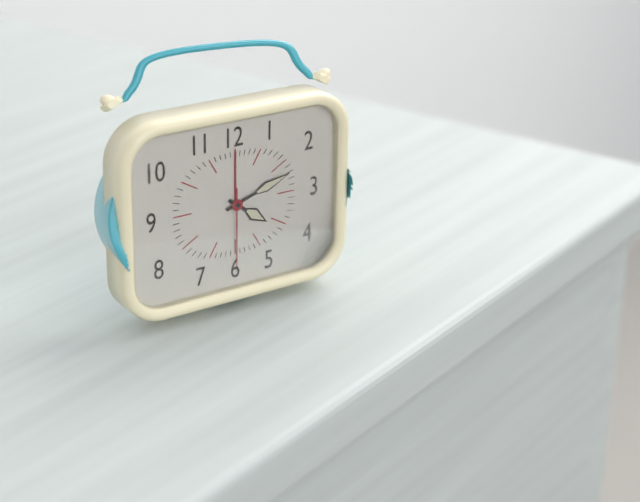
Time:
h=4 m=12 s=30
